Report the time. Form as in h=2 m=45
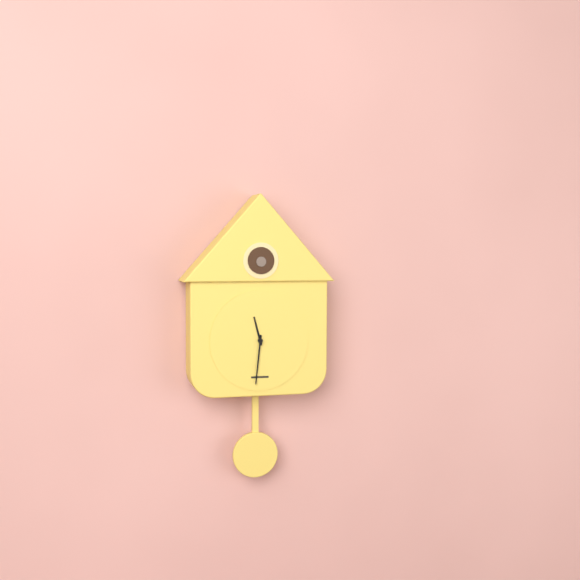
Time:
h=11 m=31
